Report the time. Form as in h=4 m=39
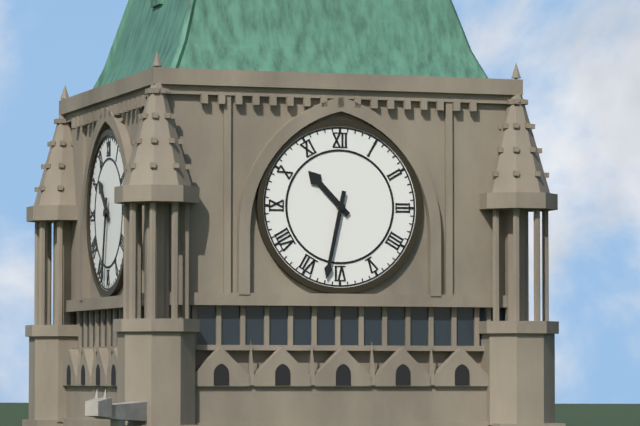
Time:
h=10 m=32
